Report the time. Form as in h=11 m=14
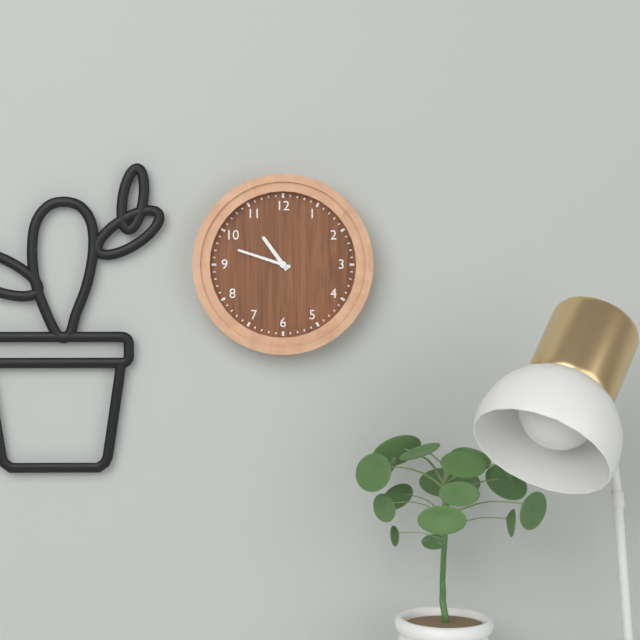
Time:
h=10 m=48
